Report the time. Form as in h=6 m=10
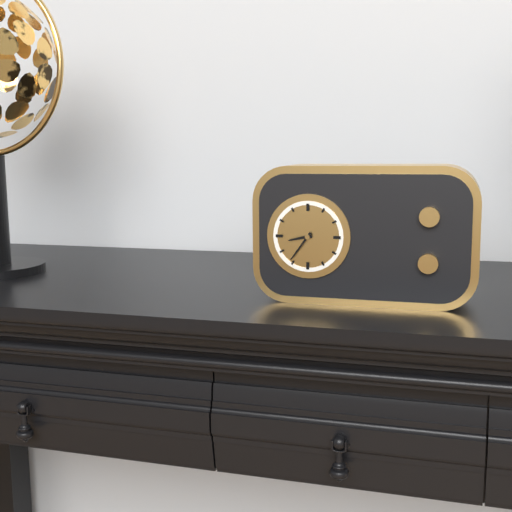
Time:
h=8 m=36
